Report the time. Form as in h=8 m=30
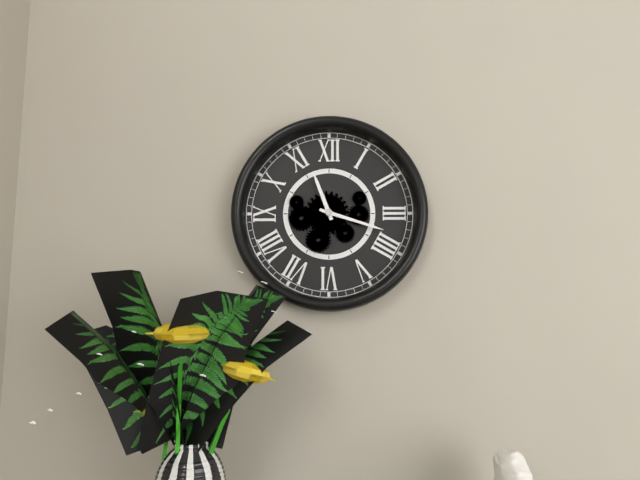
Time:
h=11 m=18
